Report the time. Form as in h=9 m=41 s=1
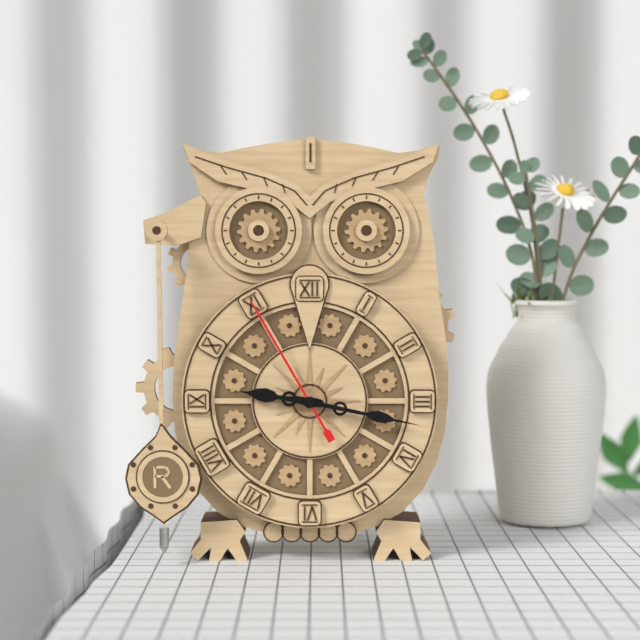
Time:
h=9 m=17 s=55
